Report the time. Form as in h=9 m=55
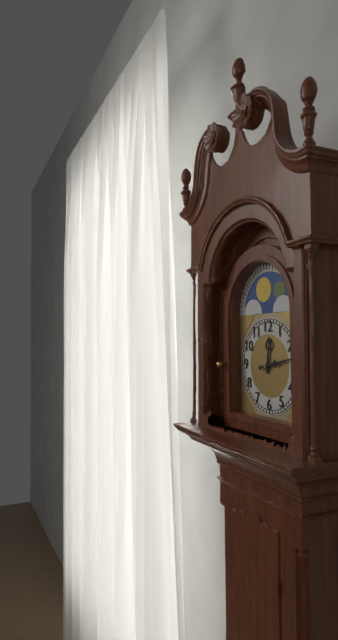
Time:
h=12 m=13
